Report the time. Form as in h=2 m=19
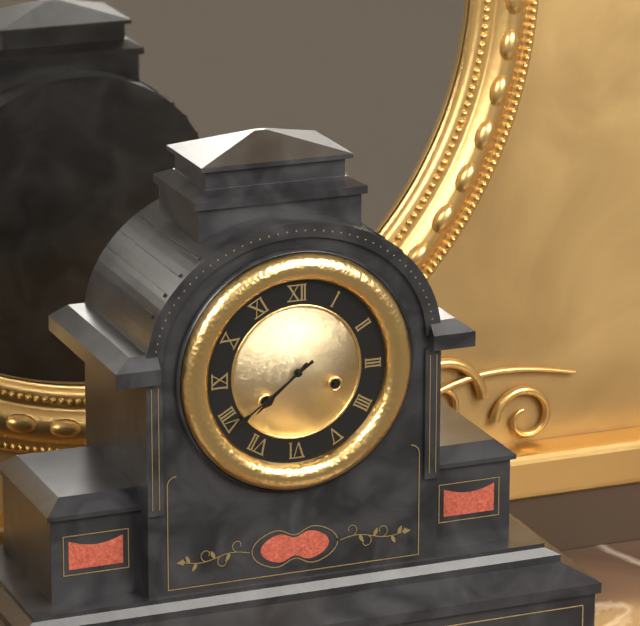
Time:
h=7 m=39
